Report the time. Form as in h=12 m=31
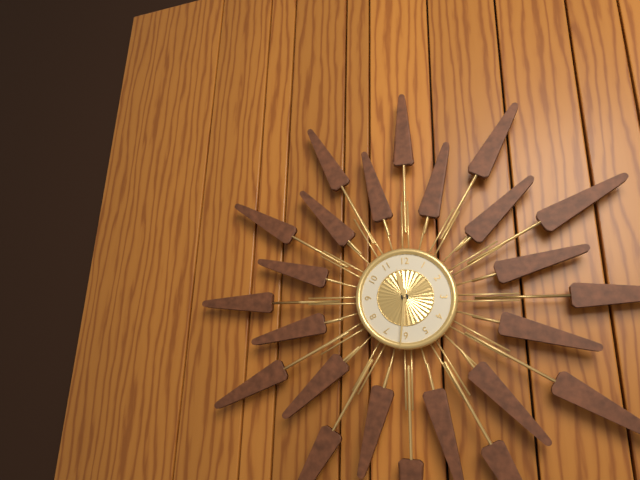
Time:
h=11 m=31
